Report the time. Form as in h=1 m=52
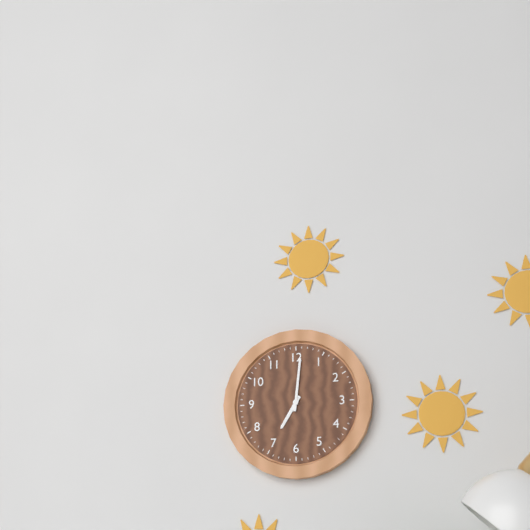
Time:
h=7 m=1
